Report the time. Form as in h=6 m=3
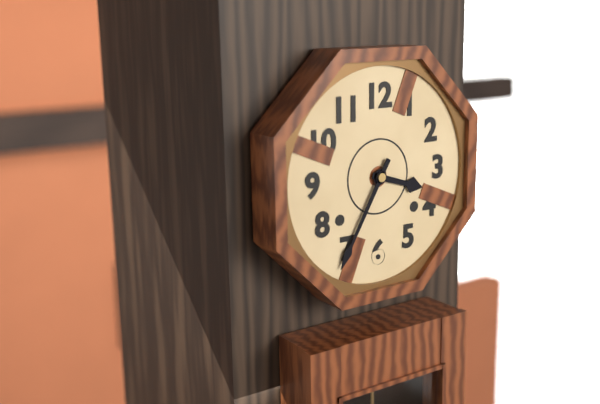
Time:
h=3 m=35
